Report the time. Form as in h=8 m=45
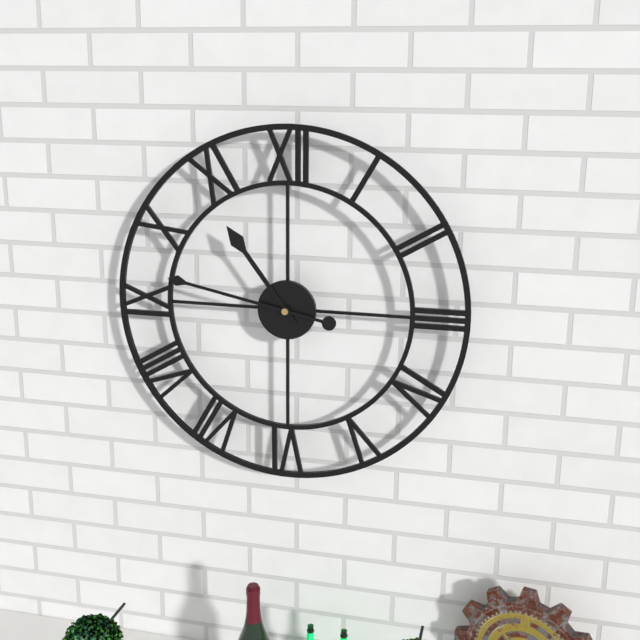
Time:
h=10 m=47
